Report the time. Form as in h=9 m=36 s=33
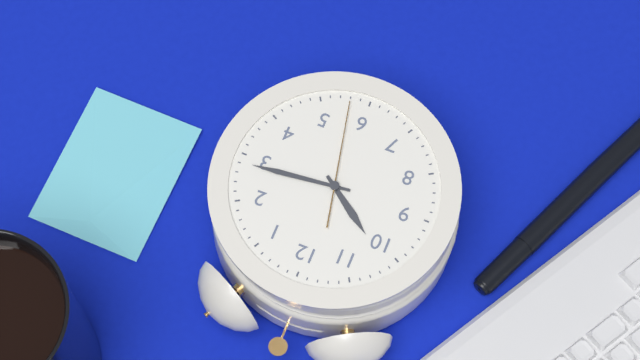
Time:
h=10 m=14 s=28
